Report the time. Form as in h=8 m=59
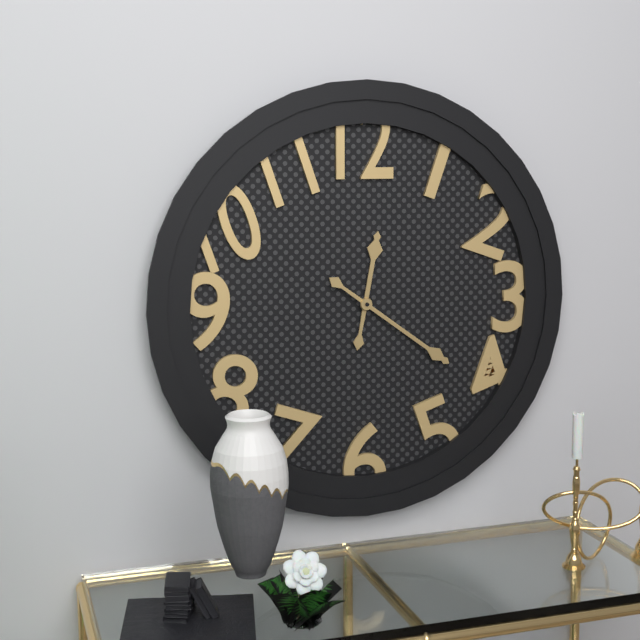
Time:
h=12 m=21
